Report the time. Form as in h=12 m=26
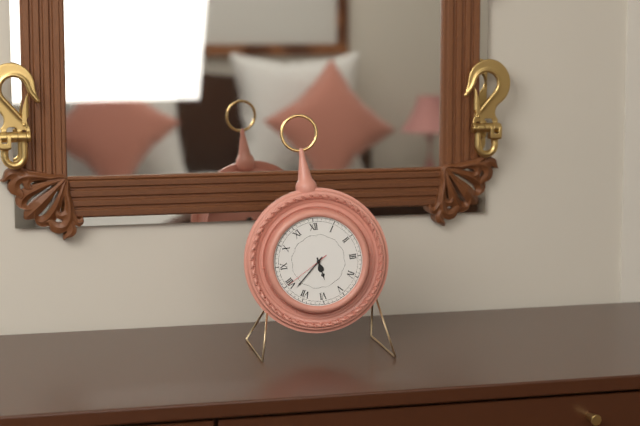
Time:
h=5 m=38
